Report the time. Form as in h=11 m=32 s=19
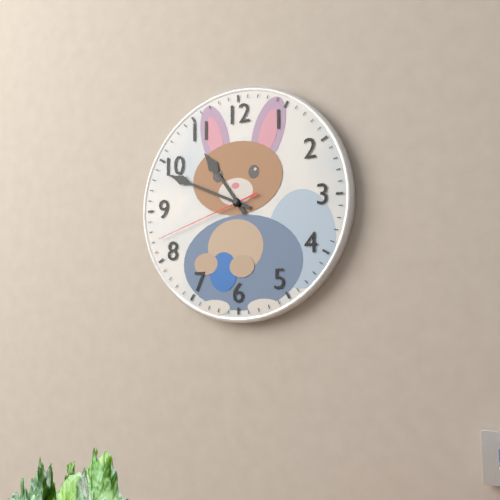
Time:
h=10 m=49 s=42
